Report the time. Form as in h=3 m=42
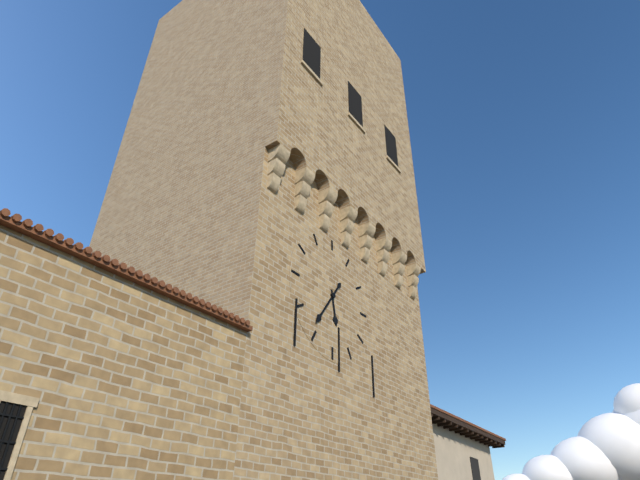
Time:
h=5 m=36
